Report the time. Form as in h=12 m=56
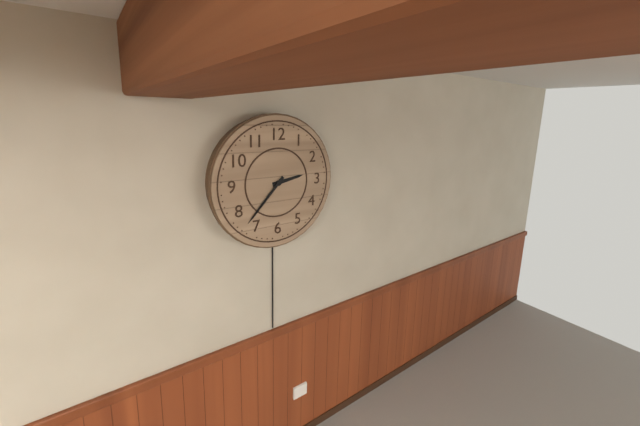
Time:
h=2 m=37
